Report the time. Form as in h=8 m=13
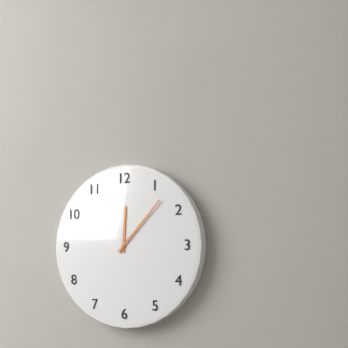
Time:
h=12 m=7
